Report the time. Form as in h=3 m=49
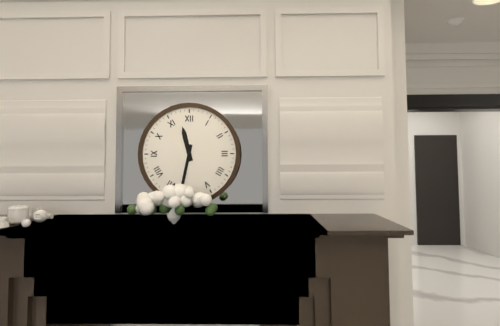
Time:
h=11 m=32
